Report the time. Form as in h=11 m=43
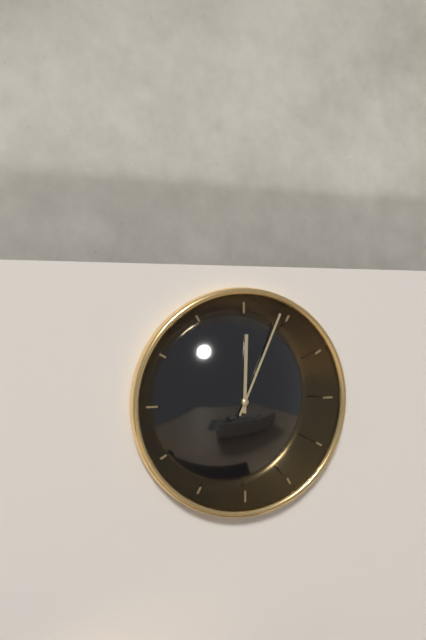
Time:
h=12 m=4
